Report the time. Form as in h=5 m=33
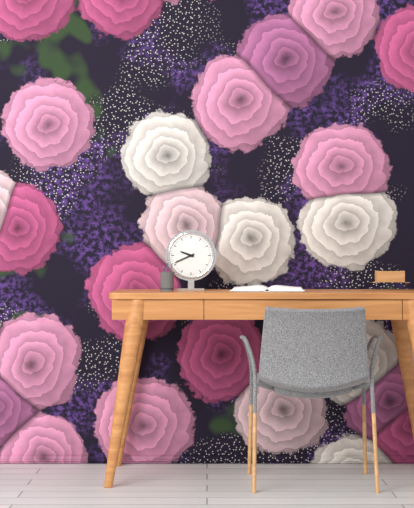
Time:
h=9 m=41
